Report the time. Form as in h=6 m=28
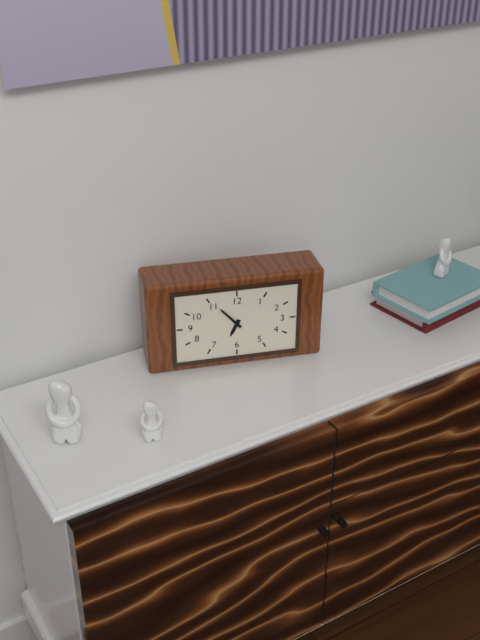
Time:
h=6 m=53
